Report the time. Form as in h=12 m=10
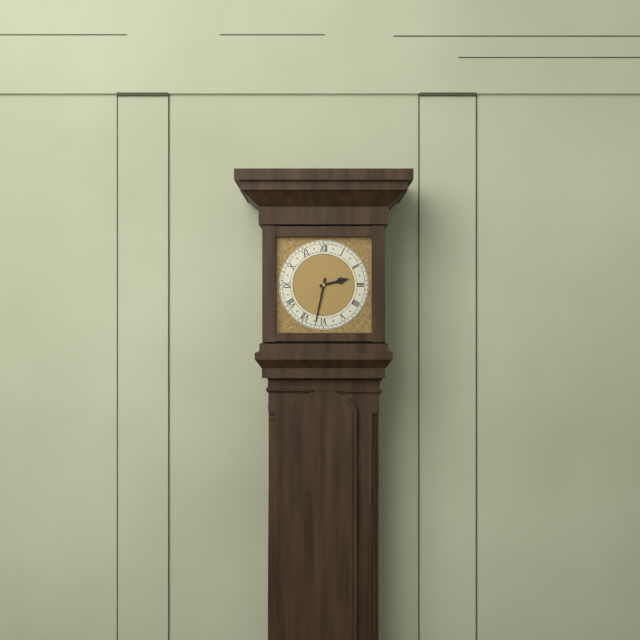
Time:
h=2 m=32
